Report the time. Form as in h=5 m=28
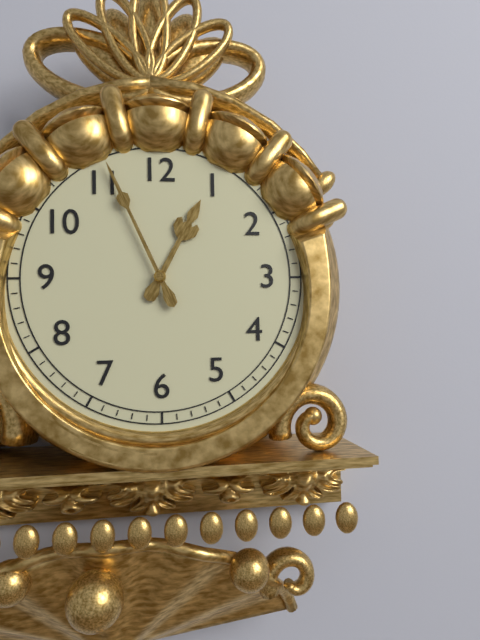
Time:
h=12 m=56
